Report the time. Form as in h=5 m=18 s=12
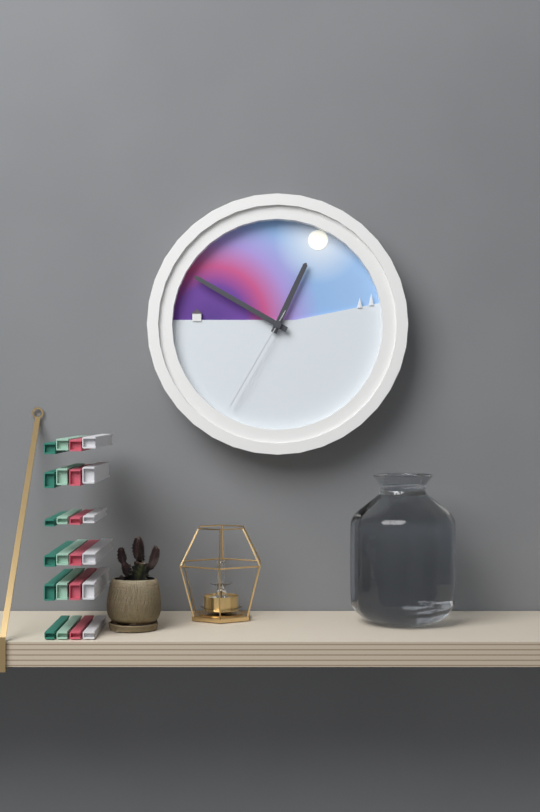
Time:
h=12 m=50 s=35
